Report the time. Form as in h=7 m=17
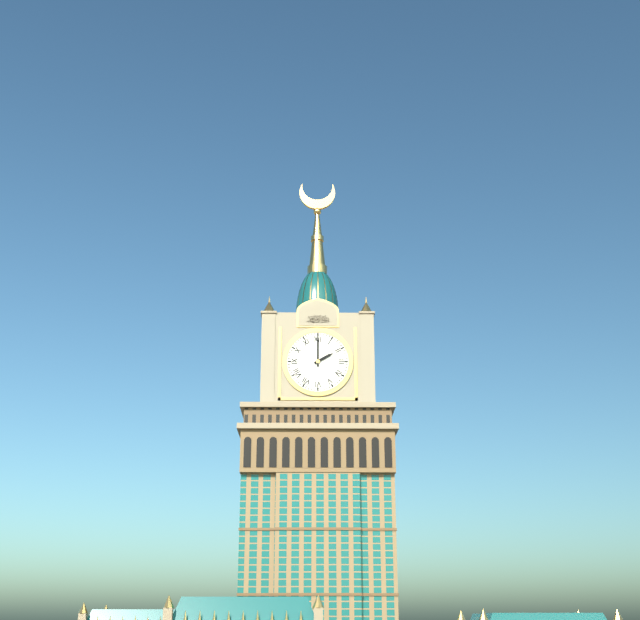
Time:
h=2 m=0
